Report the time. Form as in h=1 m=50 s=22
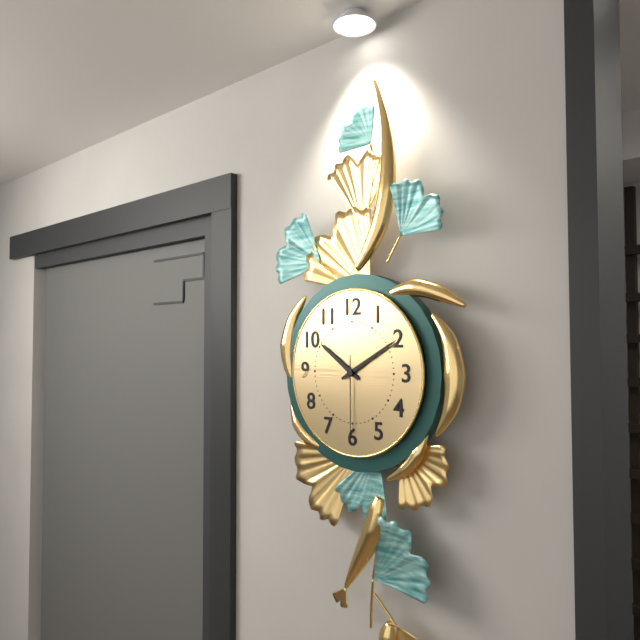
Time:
h=10 m=10 s=30
